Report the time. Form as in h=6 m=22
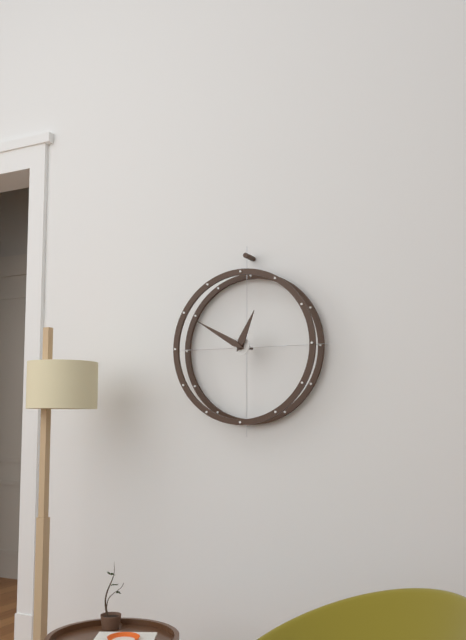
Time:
h=12 m=50
